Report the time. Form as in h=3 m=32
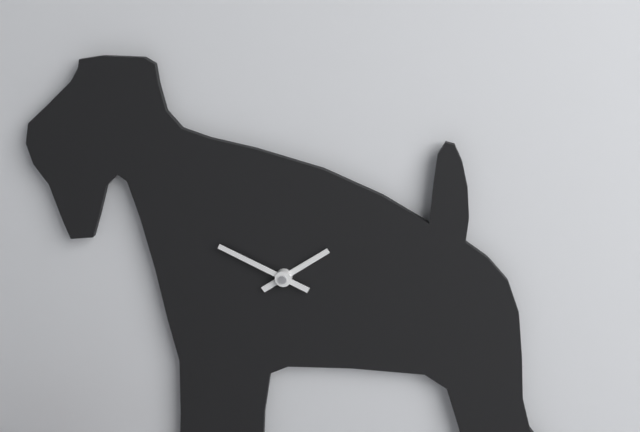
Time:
h=1 m=49
